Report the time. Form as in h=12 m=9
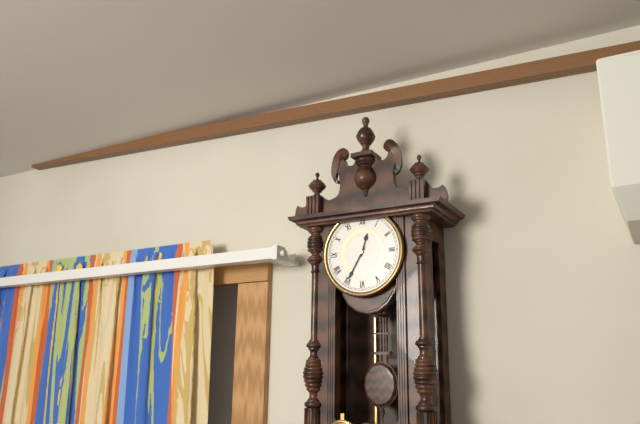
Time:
h=12 m=35
